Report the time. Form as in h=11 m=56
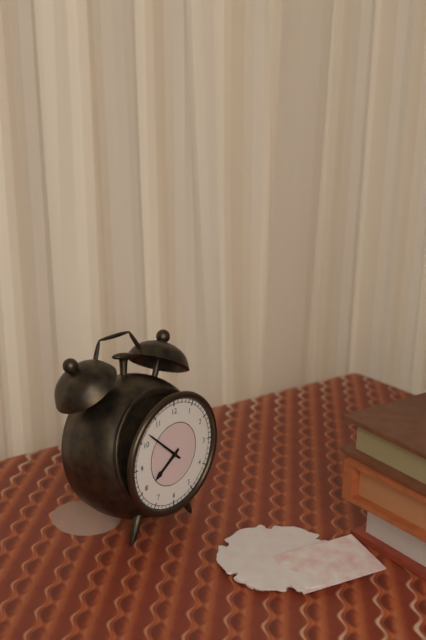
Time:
h=7 m=52
